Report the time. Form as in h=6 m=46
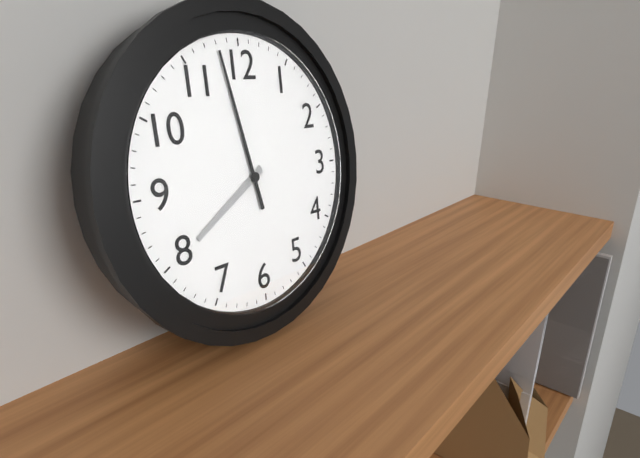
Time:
h=7 m=58
